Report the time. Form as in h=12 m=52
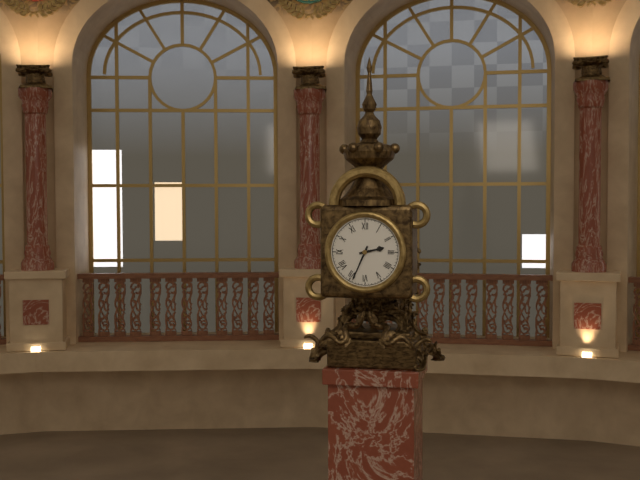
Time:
h=2 m=34
